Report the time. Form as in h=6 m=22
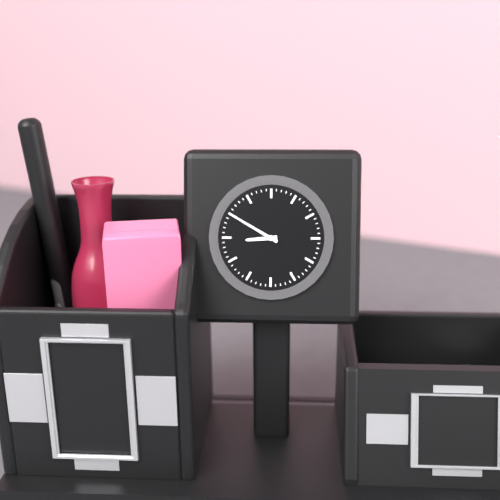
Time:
h=8 m=50
